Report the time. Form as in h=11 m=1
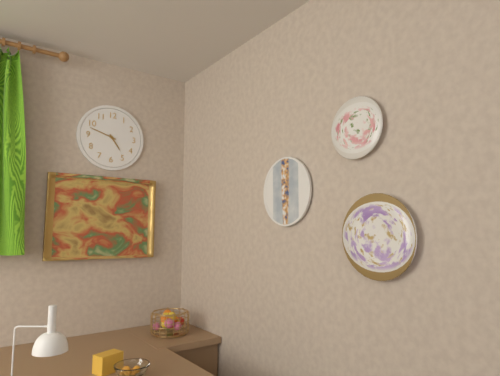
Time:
h=4 m=48
